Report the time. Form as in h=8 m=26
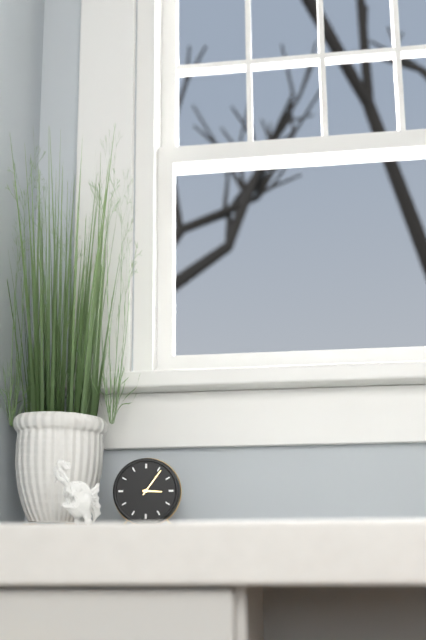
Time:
h=3 m=6
